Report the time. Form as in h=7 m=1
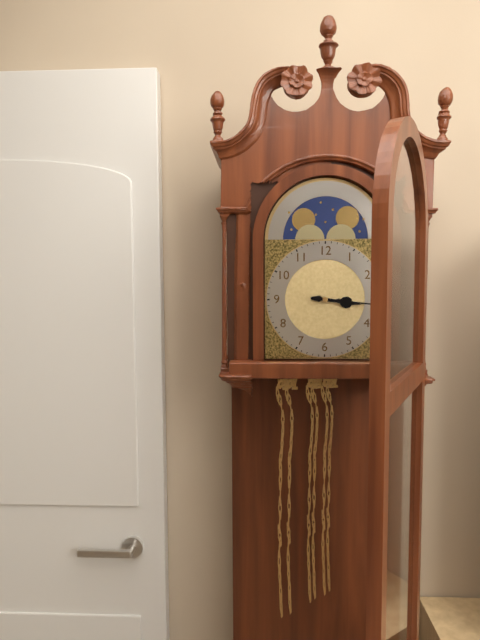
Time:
h=3 m=16
